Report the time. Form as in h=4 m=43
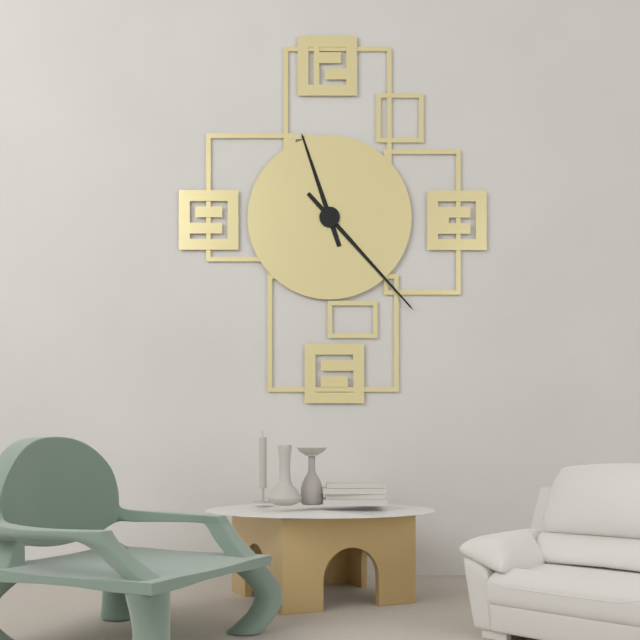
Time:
h=11 m=23
